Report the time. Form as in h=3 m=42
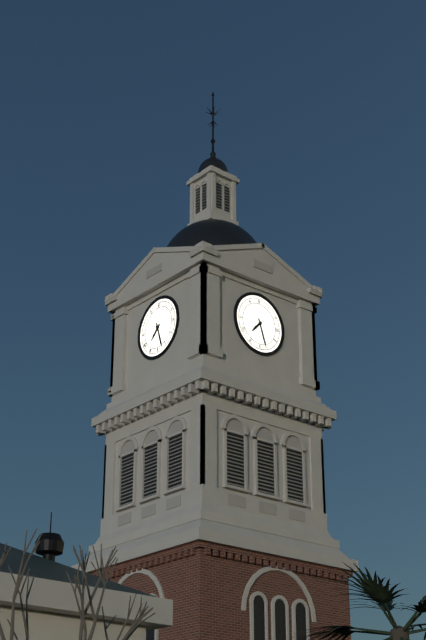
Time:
h=7 m=27
